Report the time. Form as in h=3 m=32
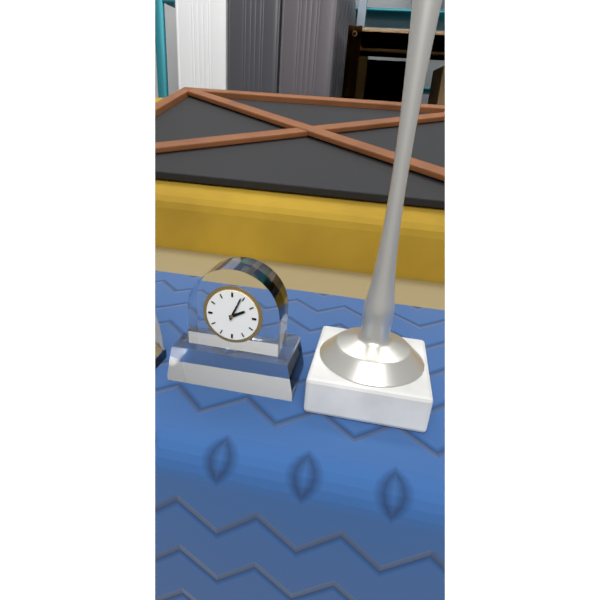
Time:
h=2 m=4
